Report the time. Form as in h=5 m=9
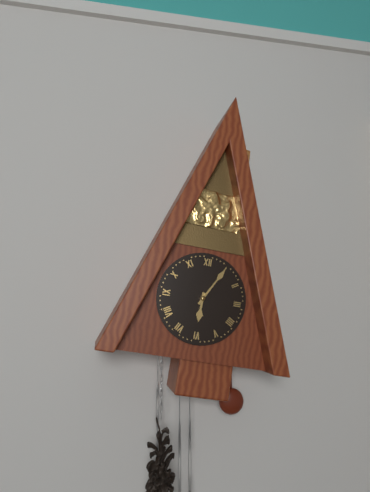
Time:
h=6 m=5
